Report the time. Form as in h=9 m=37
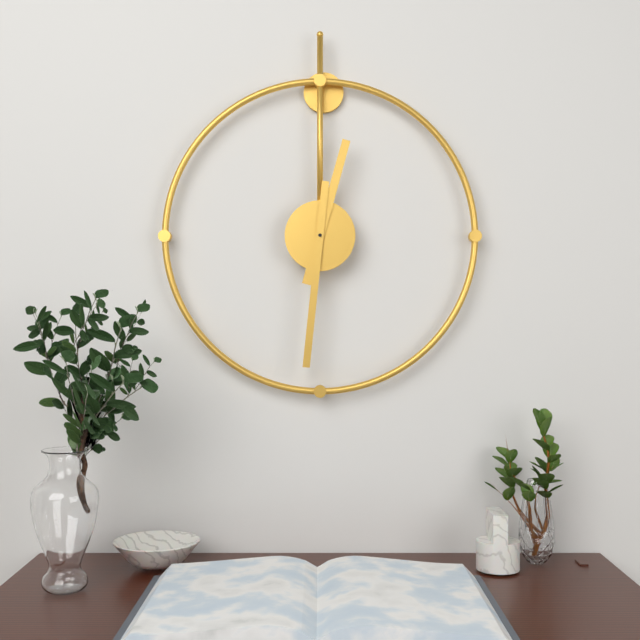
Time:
h=12 m=31
